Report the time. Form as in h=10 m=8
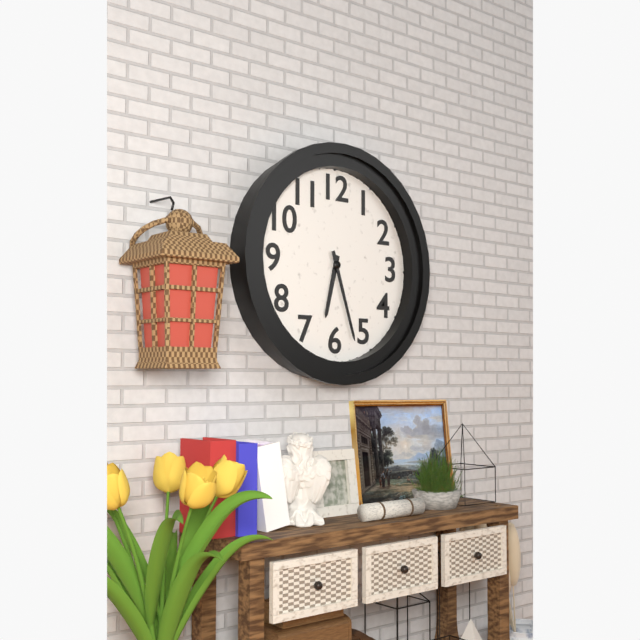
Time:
h=6 m=27
